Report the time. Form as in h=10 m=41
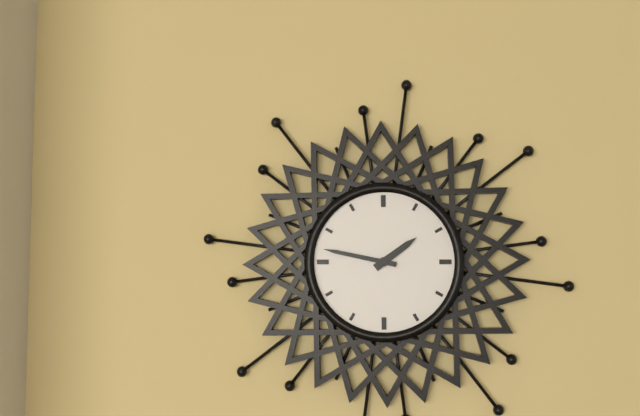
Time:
h=1 m=47
